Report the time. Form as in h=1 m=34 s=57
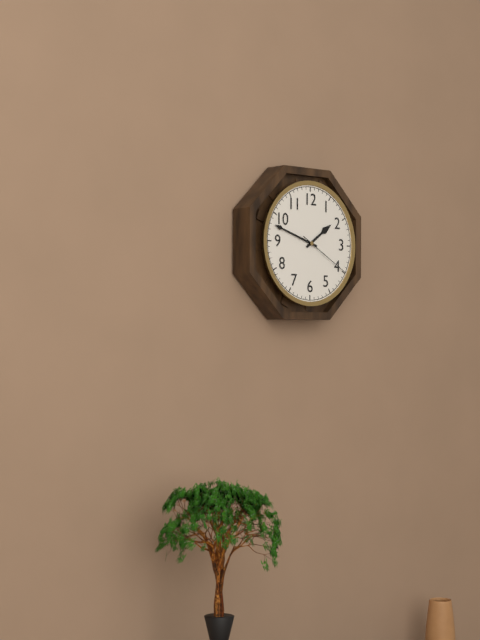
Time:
h=1 m=48 s=20
